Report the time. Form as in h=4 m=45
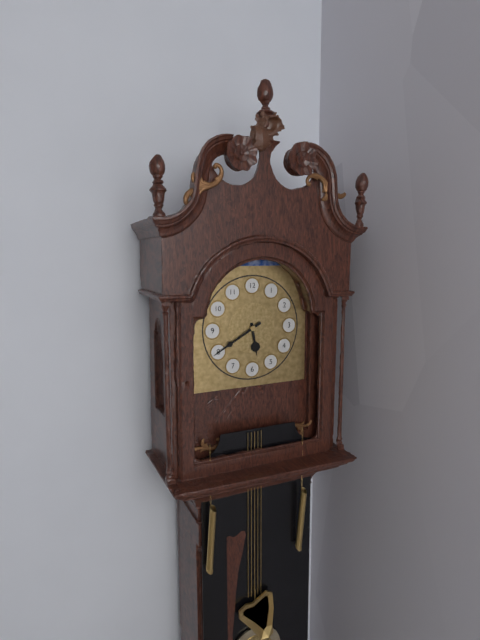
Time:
h=5 m=40
